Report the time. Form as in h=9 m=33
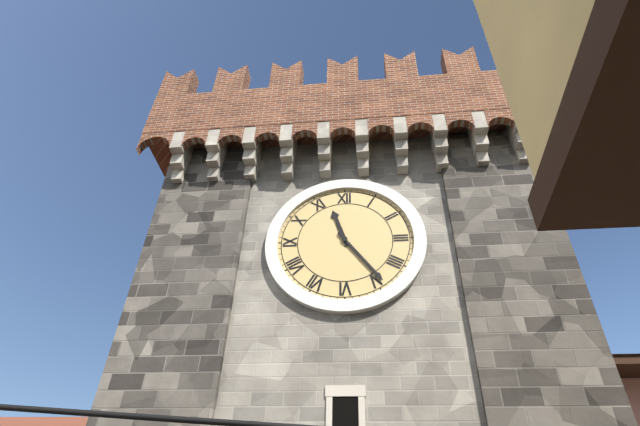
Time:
h=11 m=24
